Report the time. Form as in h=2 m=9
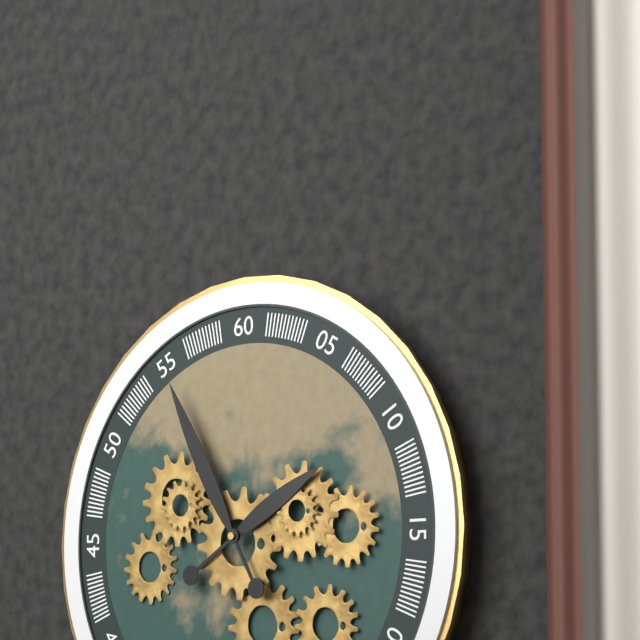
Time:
h=1 m=55
